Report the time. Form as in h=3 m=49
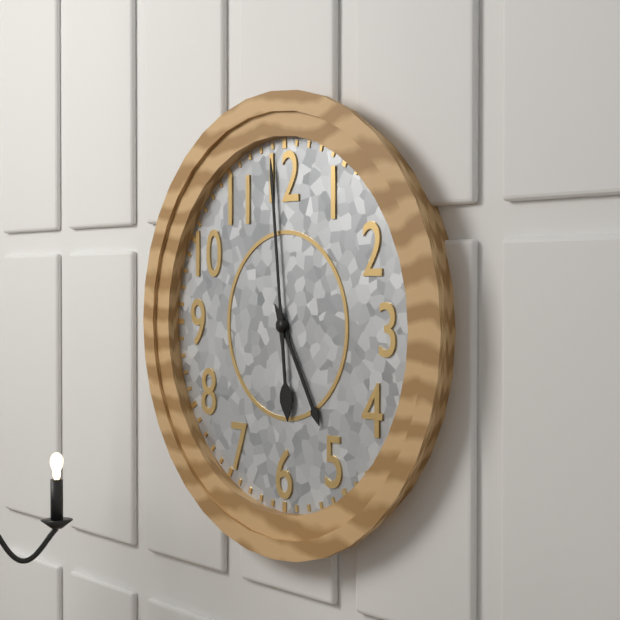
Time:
h=4 m=59
